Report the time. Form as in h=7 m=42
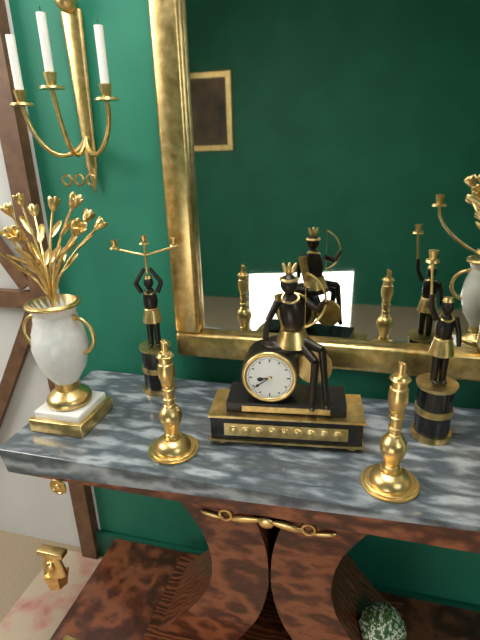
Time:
h=8 m=39
